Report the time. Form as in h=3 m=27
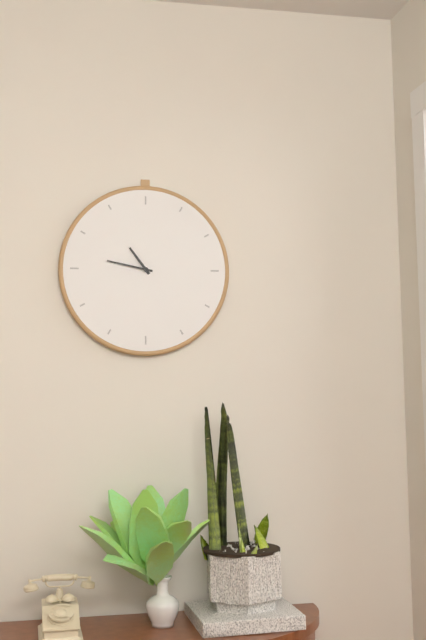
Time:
h=10 m=47
